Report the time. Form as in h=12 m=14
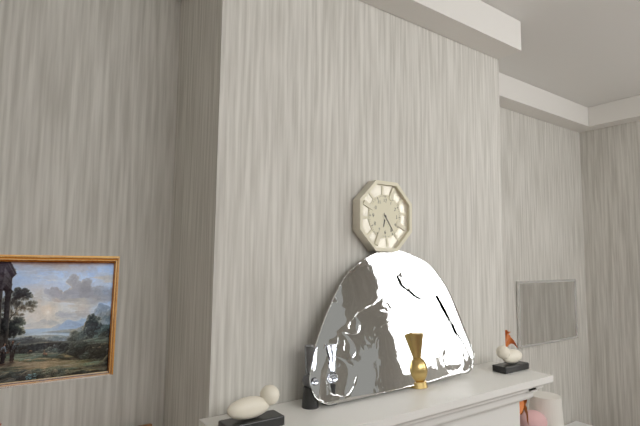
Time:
h=6 m=24
